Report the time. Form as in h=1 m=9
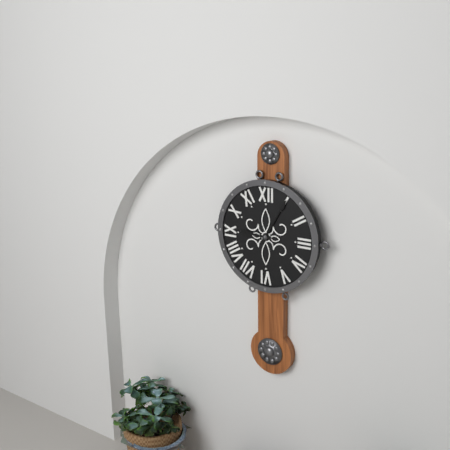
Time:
h=9 m=5
